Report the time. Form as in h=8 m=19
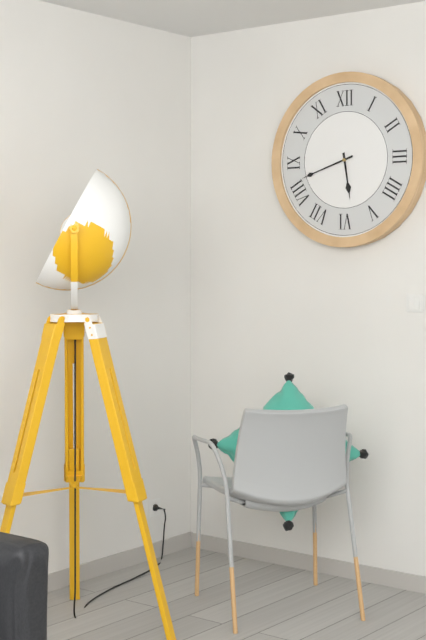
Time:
h=5 m=42
